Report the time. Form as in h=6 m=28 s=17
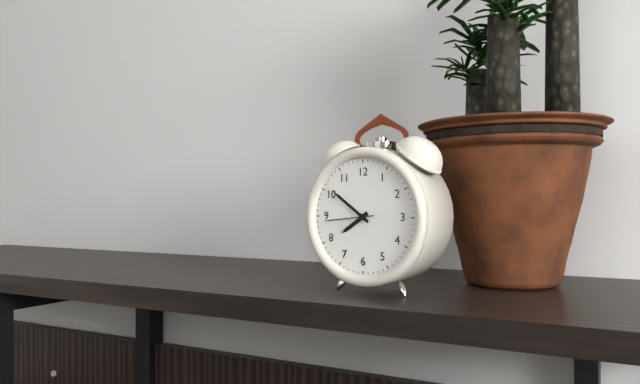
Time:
h=7 m=51 s=44
